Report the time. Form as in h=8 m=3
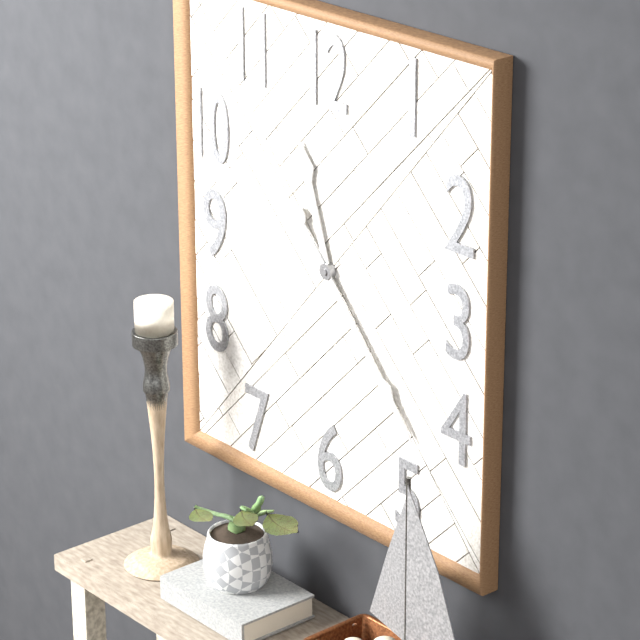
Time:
h=11 m=23
